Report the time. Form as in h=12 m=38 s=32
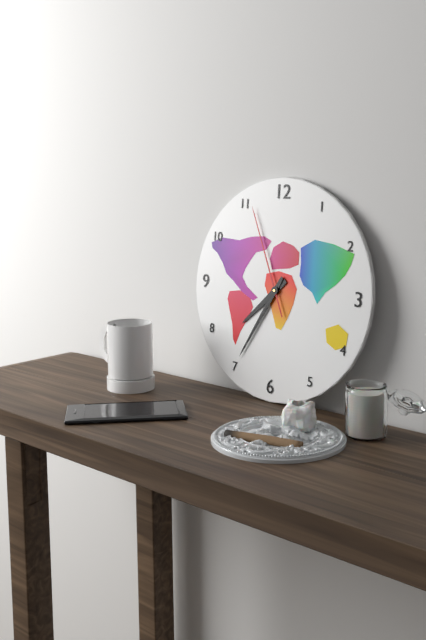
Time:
h=7 m=35 s=56
